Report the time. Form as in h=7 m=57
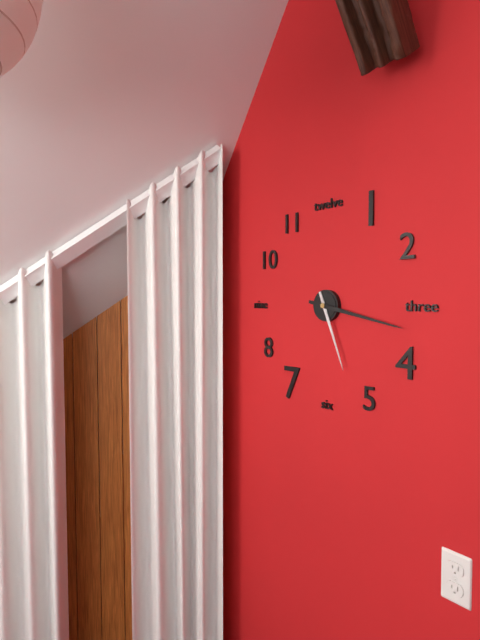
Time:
h=5 m=17
